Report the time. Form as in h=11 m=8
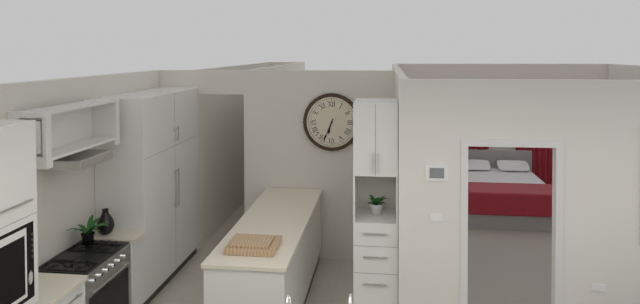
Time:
h=6 m=34
